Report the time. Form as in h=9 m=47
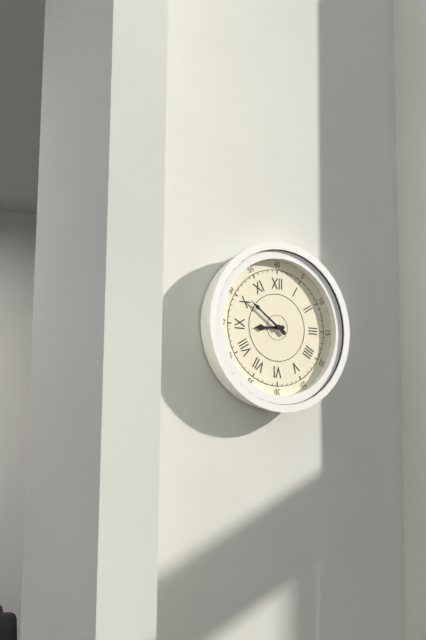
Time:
h=8 m=51
